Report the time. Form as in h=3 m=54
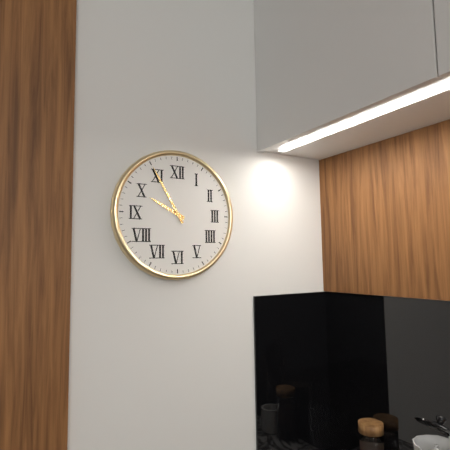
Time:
h=9 m=55
